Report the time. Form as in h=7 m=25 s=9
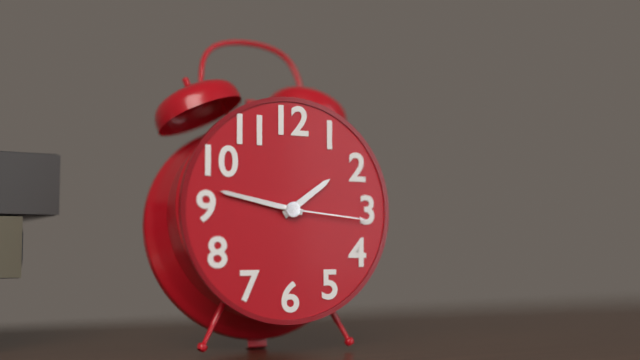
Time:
h=1 m=47 s=16
